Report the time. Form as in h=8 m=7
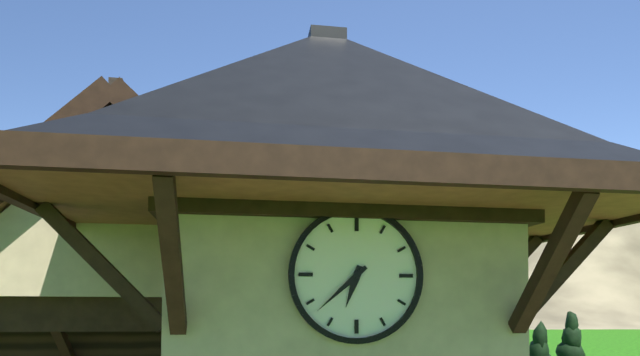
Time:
h=6 m=38
